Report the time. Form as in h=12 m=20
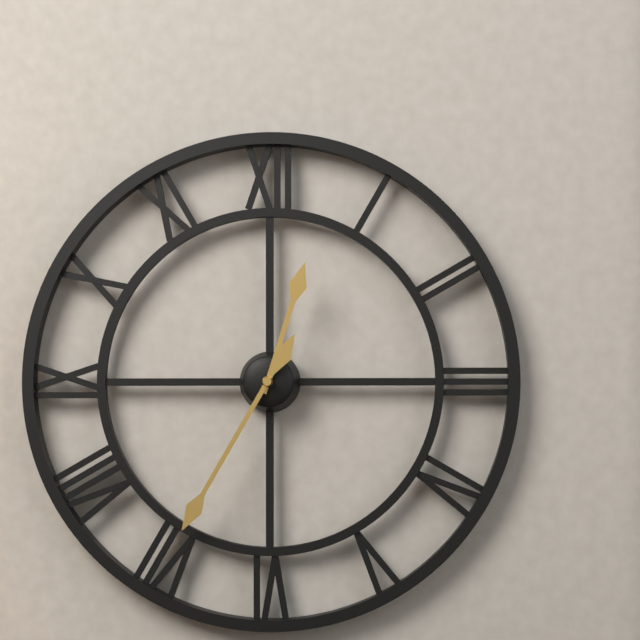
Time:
h=12 m=35
